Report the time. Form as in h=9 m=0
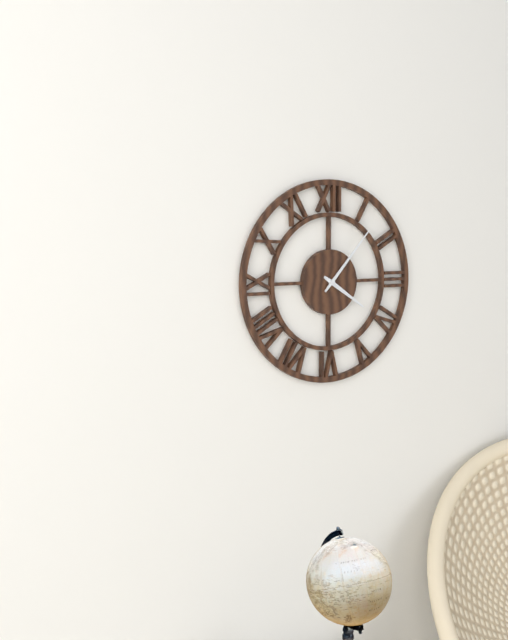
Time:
h=4 m=7
